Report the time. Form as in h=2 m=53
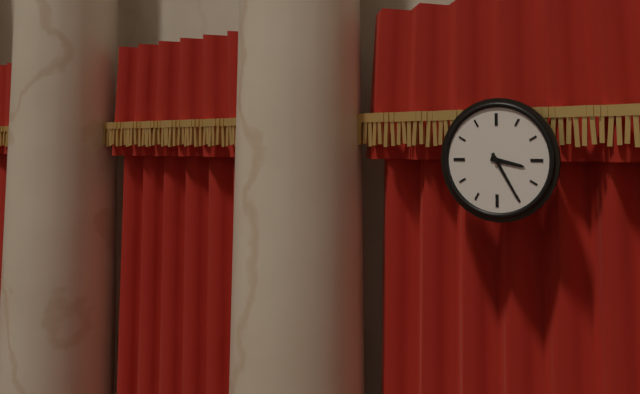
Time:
h=3 m=25
